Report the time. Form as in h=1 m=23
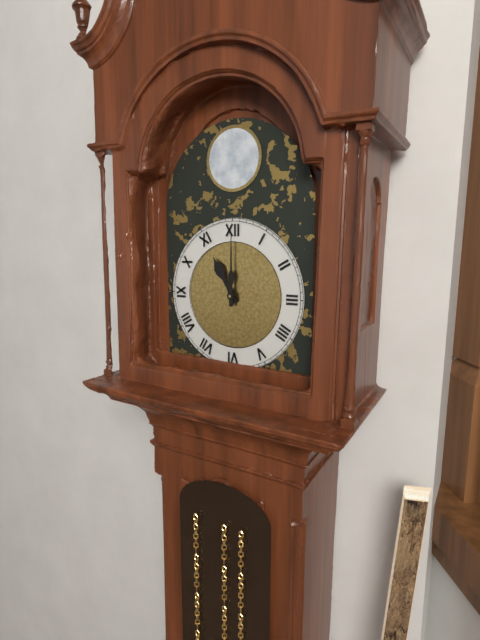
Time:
h=11 m=0
